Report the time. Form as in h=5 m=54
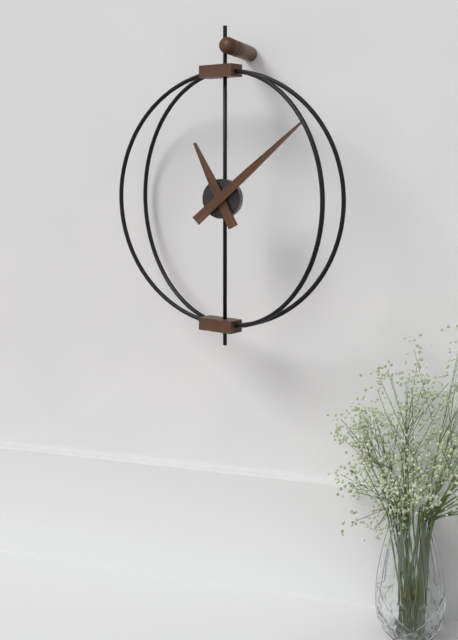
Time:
h=11 m=8
